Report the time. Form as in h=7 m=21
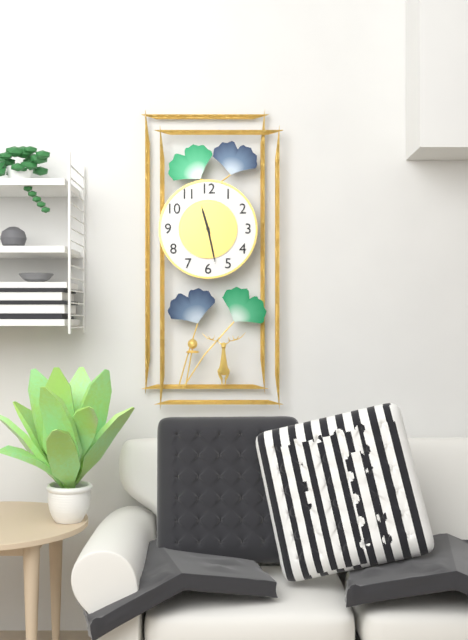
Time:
h=11 m=28
